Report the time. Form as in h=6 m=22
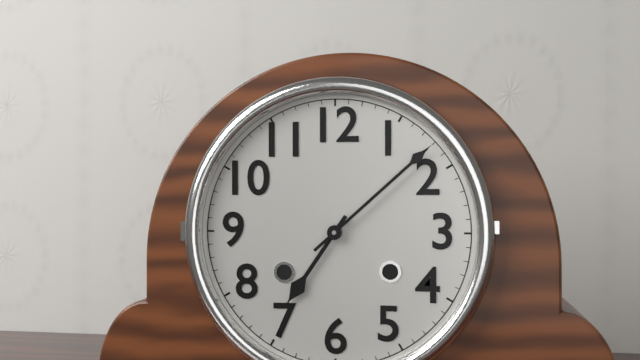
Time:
h=7 m=8
